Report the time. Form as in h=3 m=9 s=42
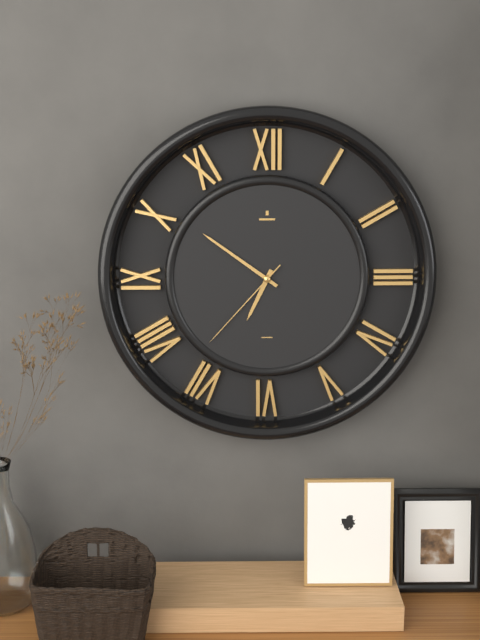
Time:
h=6 m=51 s=37
